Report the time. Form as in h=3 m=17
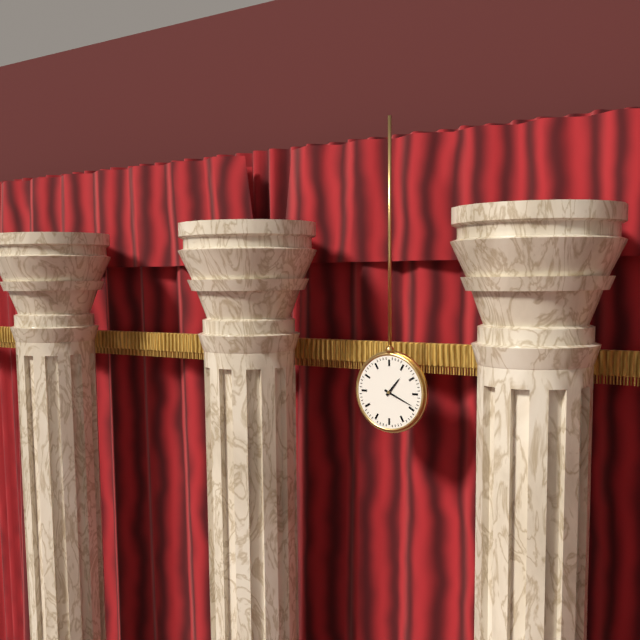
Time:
h=1 m=19
